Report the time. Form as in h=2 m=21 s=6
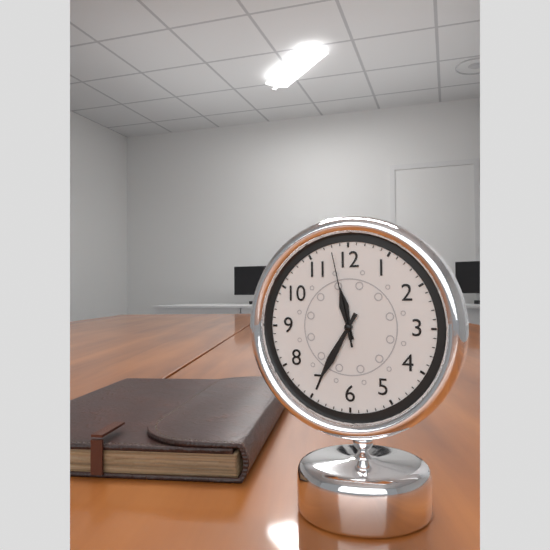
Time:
h=11 m=35 s=58
